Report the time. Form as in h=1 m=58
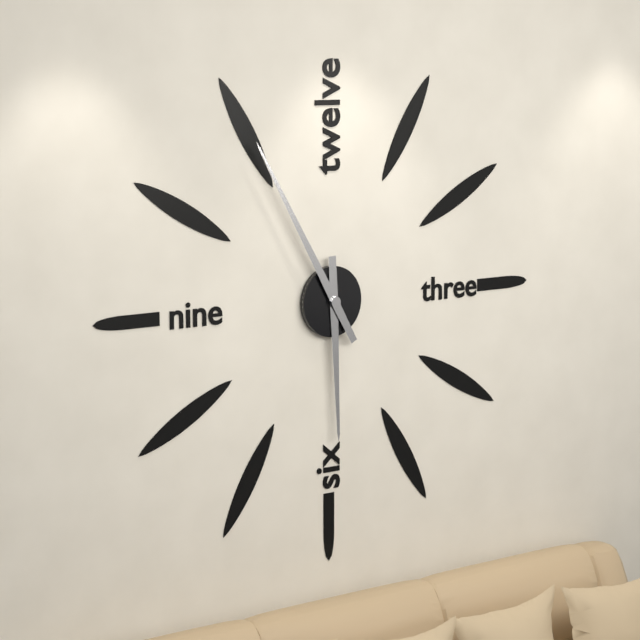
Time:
h=5 m=55
